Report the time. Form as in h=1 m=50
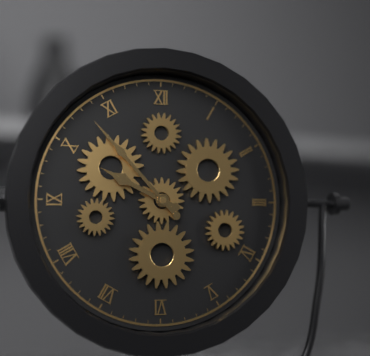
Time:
h=9 m=53
